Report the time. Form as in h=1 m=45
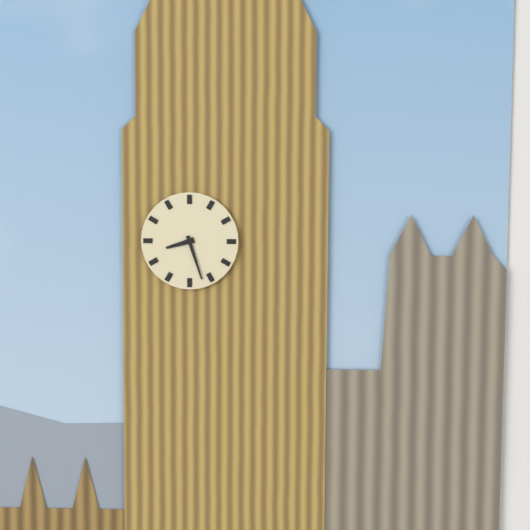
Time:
h=8 m=27
